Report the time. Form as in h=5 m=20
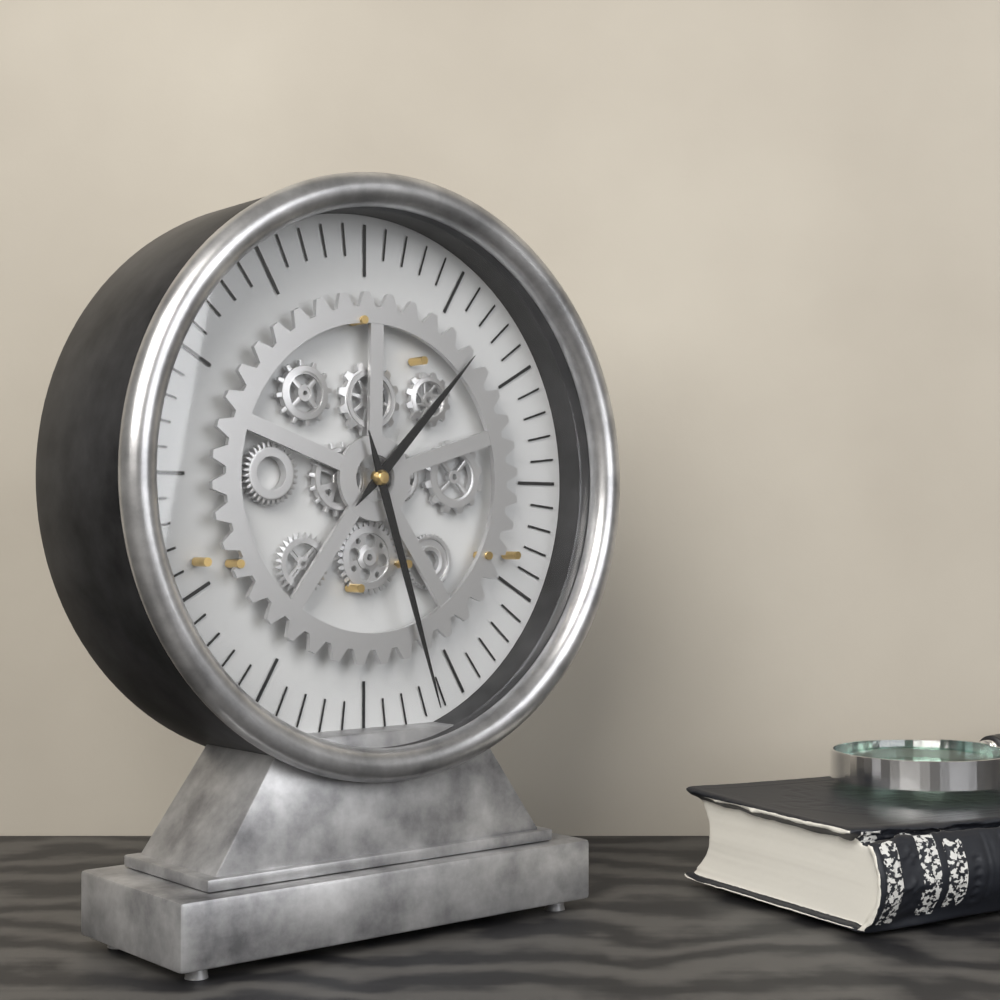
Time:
h=1 m=27
